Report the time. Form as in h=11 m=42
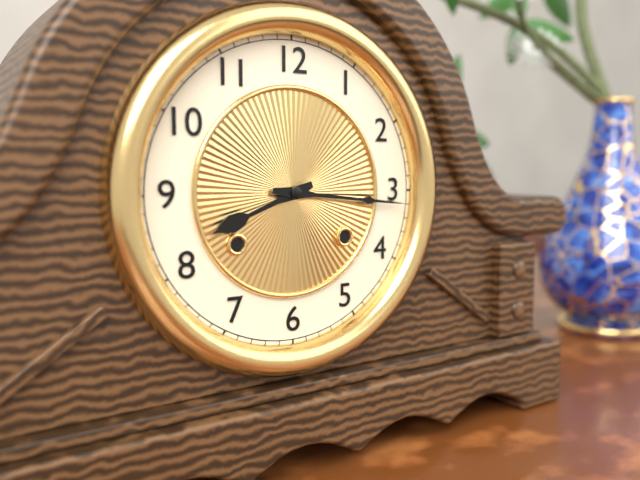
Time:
h=8 m=16
